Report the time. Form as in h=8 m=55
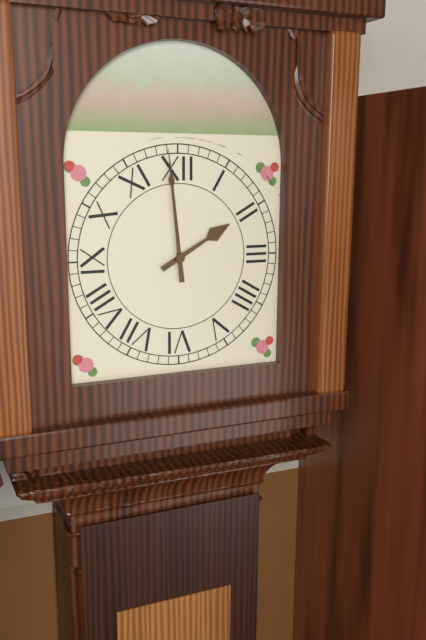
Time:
h=1 m=59
